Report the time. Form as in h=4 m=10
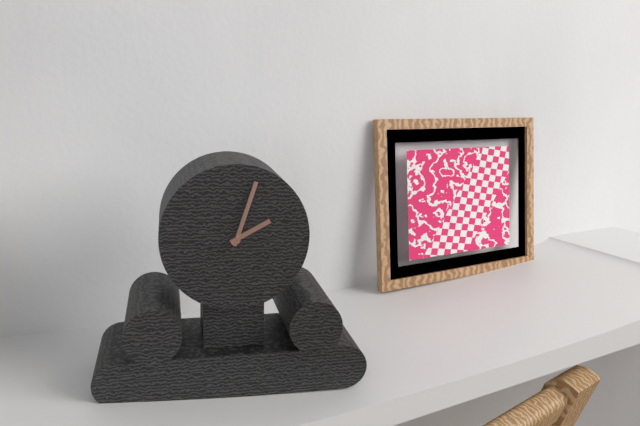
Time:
h=2 m=3
